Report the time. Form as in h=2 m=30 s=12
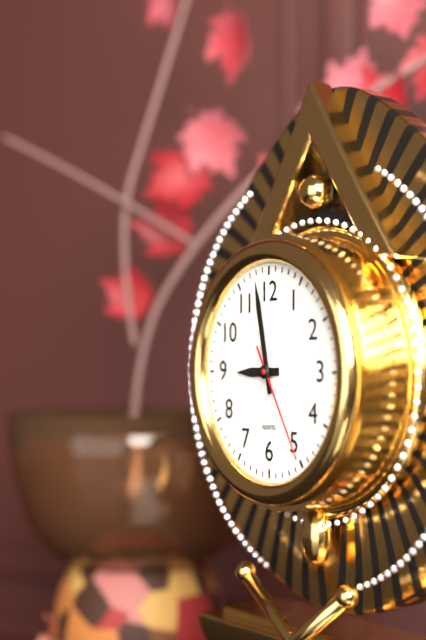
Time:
h=8 m=58 s=25
